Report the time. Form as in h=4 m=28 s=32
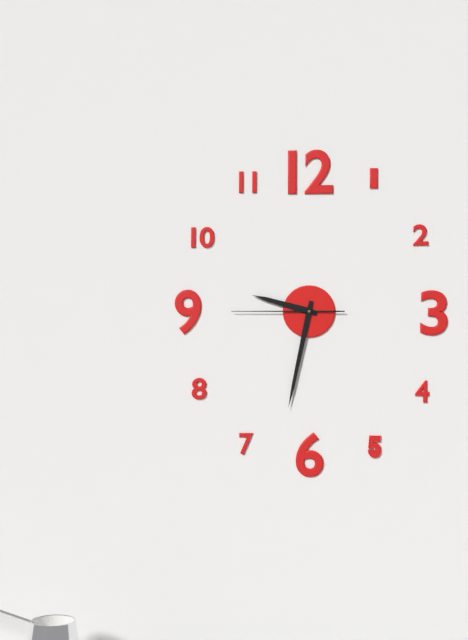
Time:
h=9 m=32 s=45
